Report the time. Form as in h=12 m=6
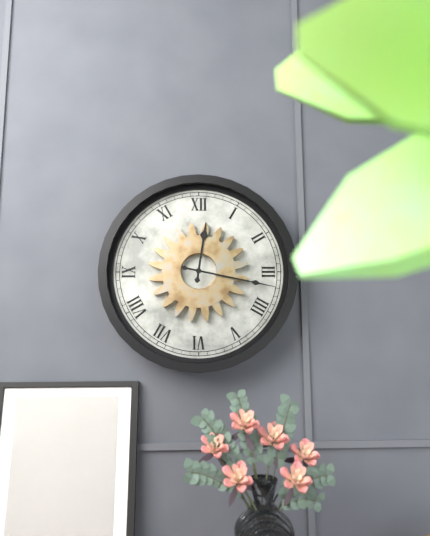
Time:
h=12 m=17
